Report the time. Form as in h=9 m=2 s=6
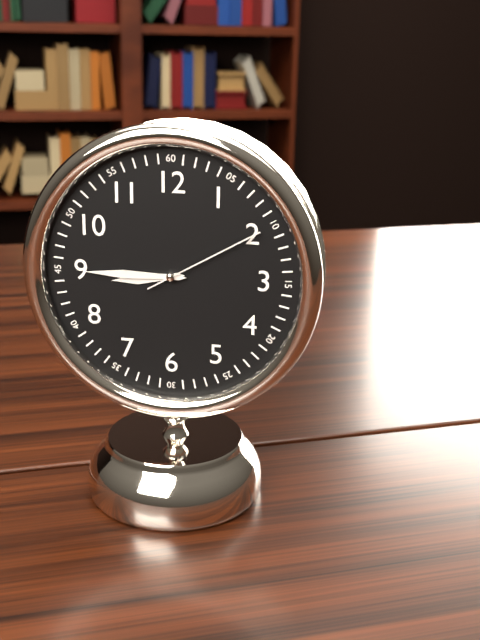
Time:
h=8 m=45 s=10
